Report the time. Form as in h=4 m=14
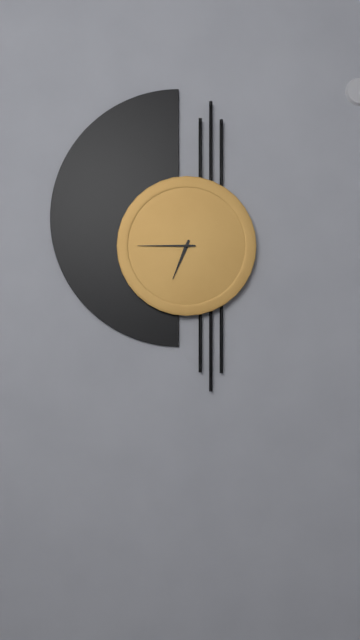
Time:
h=6 m=45
